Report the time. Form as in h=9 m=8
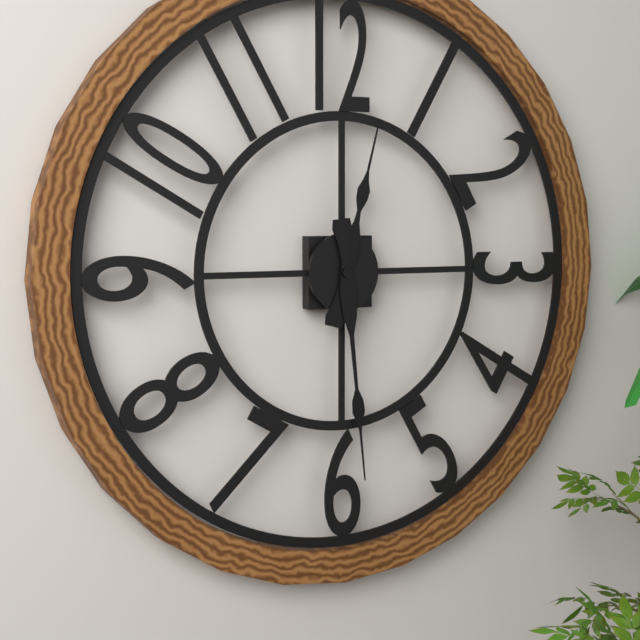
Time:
h=12 m=29
